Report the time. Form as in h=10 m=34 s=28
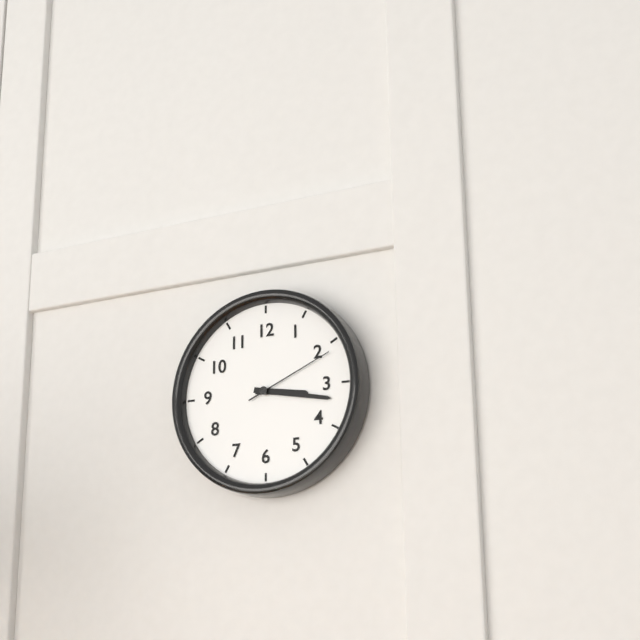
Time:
h=3 m=17 s=11
